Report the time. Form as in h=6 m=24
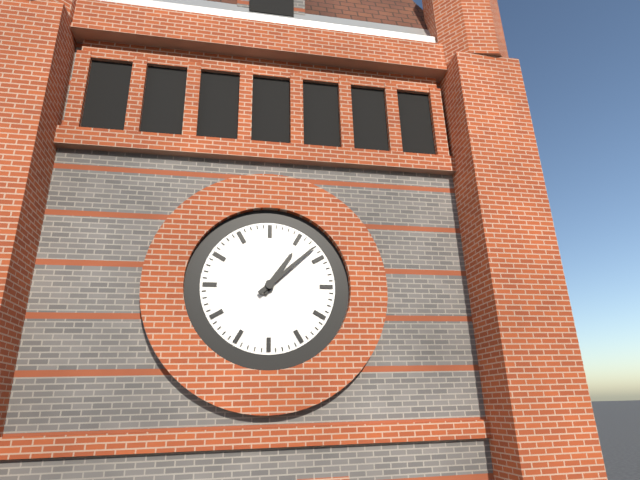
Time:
h=1 m=8
